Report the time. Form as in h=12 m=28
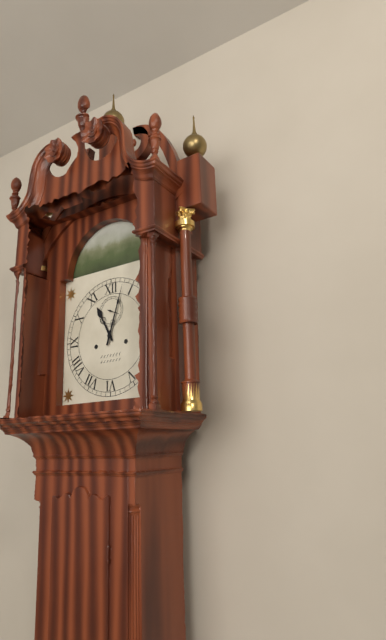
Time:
h=11 m=3
